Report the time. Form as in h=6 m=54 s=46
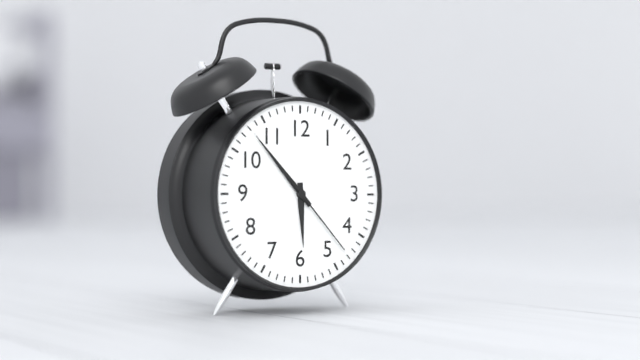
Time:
h=5 m=53 s=23
